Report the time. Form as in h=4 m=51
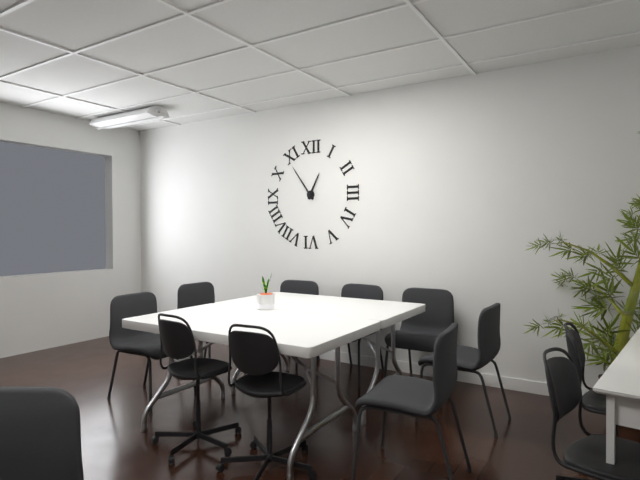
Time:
h=12 m=54
